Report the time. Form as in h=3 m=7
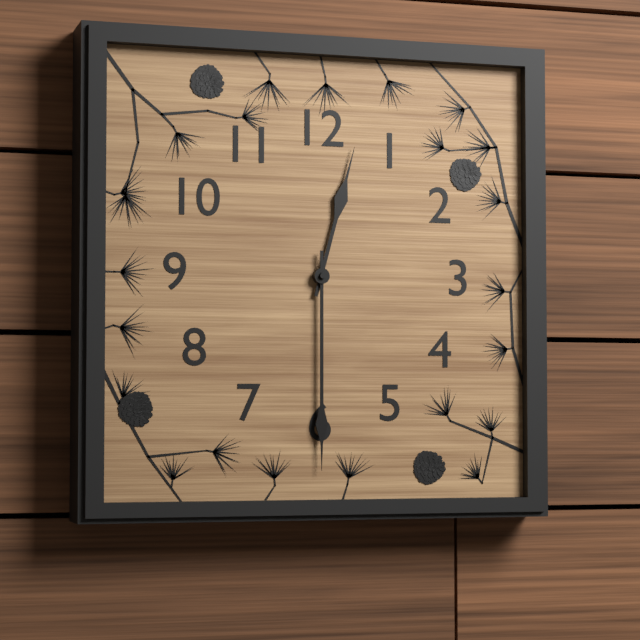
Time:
h=12 m=30
